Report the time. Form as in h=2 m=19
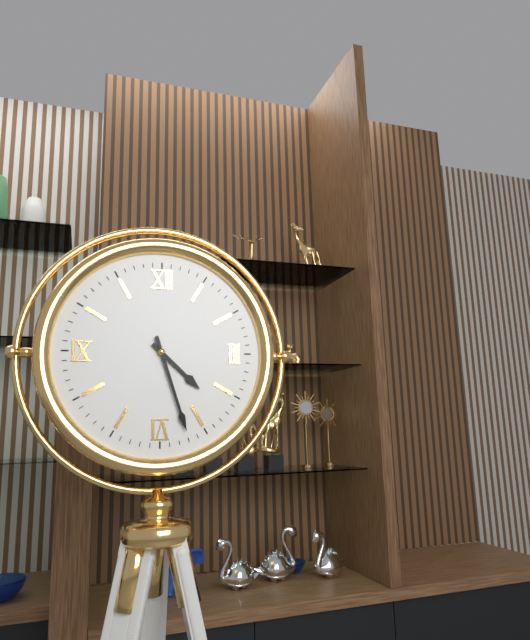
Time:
h=4 m=27
